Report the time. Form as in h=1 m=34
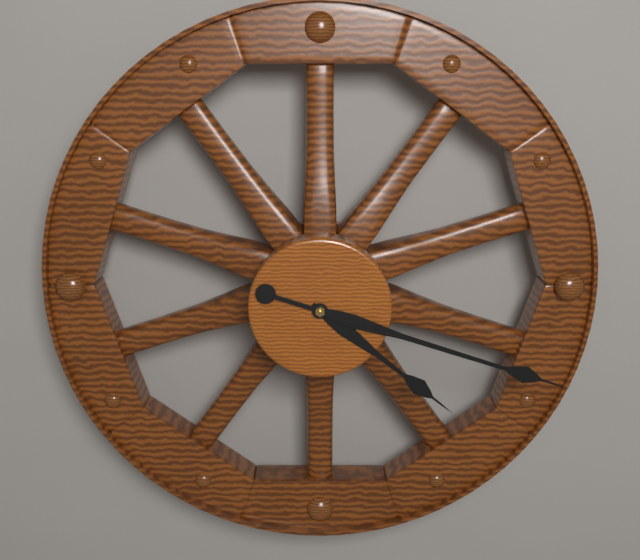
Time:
h=4 m=18
